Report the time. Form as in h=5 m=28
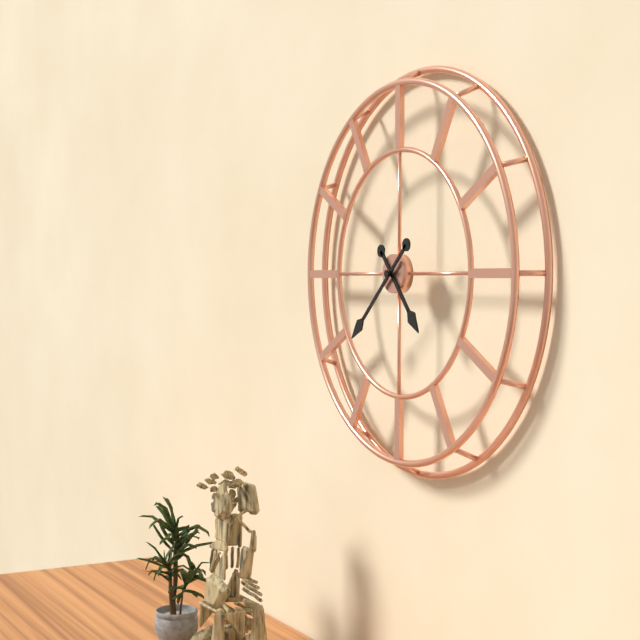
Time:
h=4 m=38
